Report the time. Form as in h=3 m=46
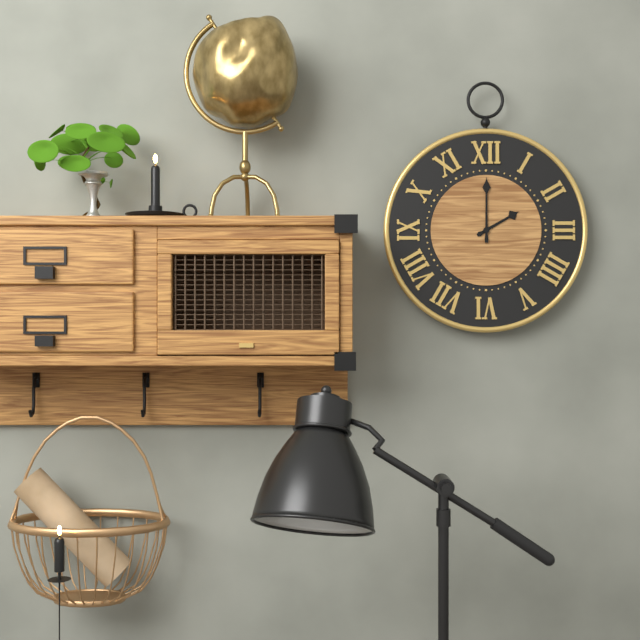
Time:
h=2 m=0
